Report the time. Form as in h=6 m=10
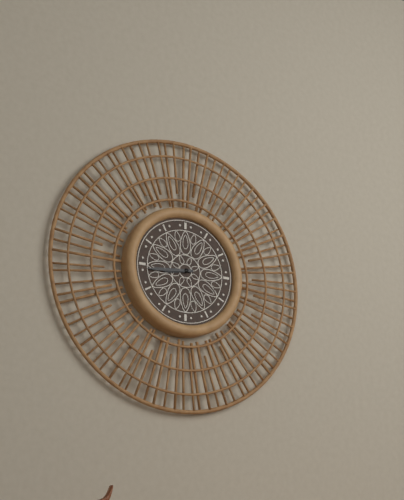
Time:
h=8 m=44
